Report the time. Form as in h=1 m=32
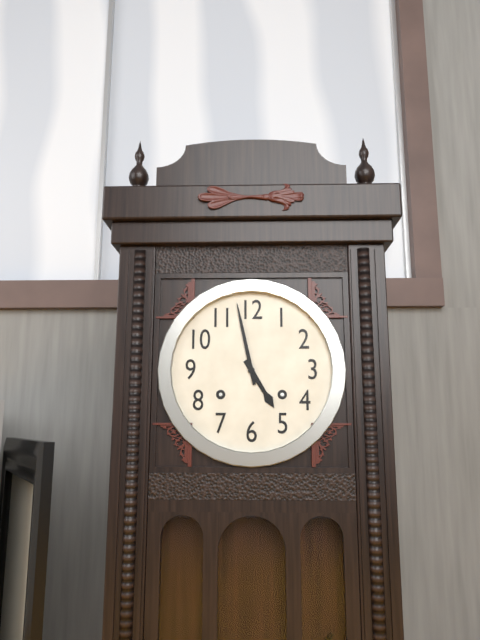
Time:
h=4 m=58
